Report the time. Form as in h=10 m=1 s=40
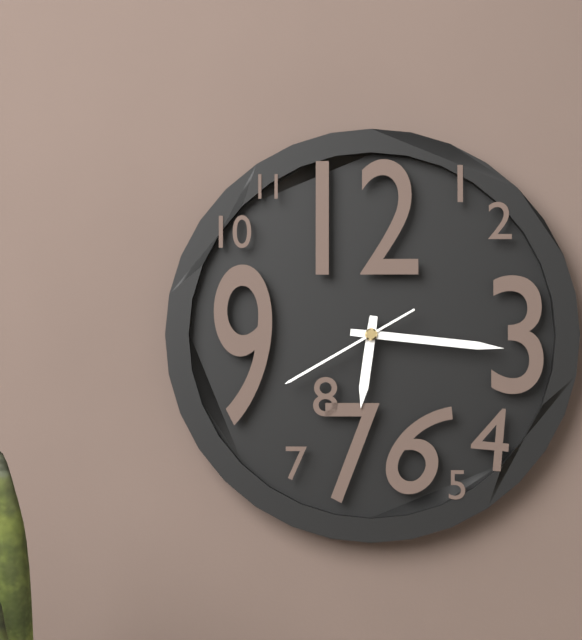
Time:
h=6 m=16 s=40
